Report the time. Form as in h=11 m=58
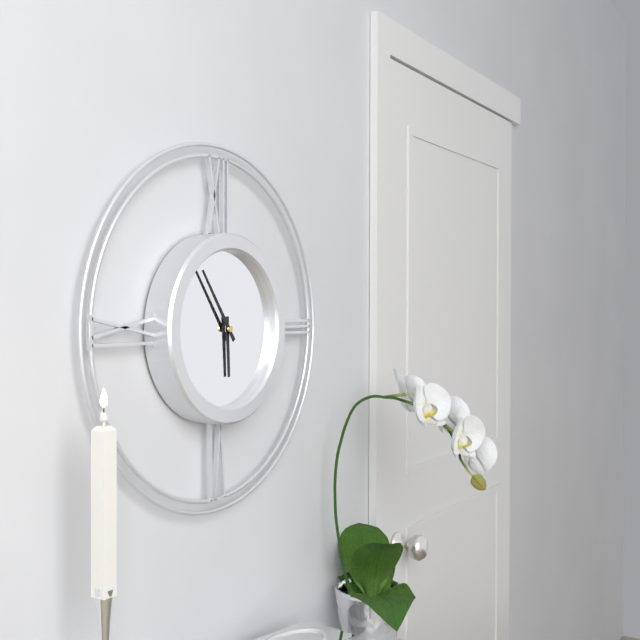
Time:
h=5 m=54
